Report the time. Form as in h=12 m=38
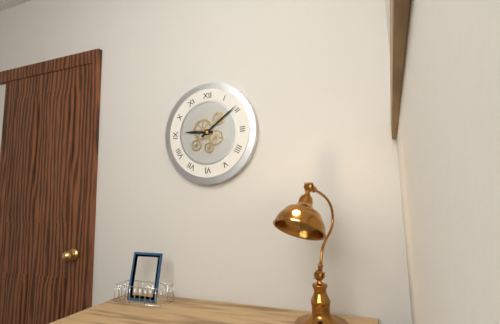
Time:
h=9 m=9
